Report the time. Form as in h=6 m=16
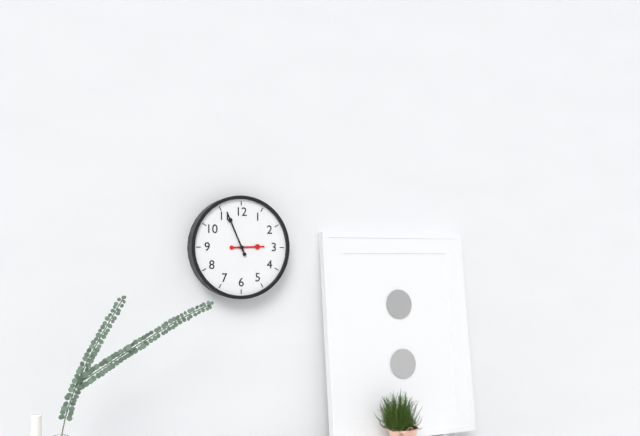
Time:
h=2 m=56
